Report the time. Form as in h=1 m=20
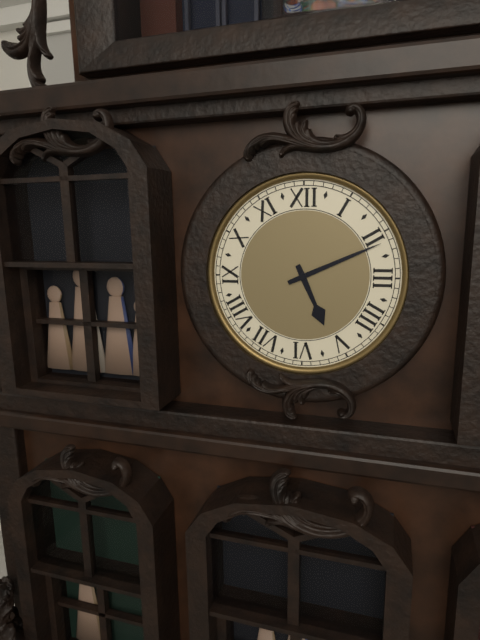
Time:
h=5 m=11
